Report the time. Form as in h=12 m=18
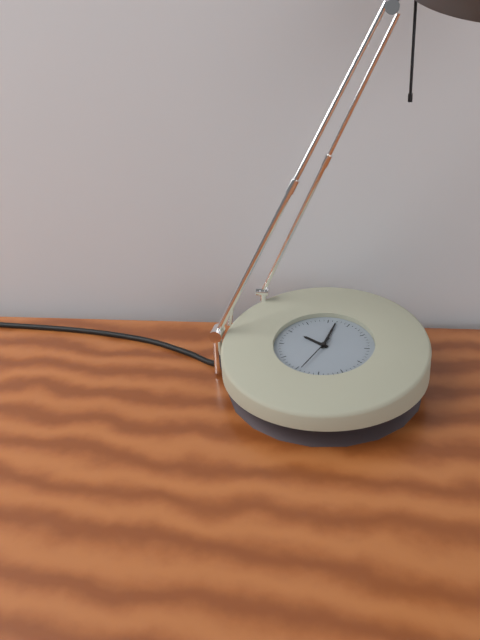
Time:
h=10 m=2
